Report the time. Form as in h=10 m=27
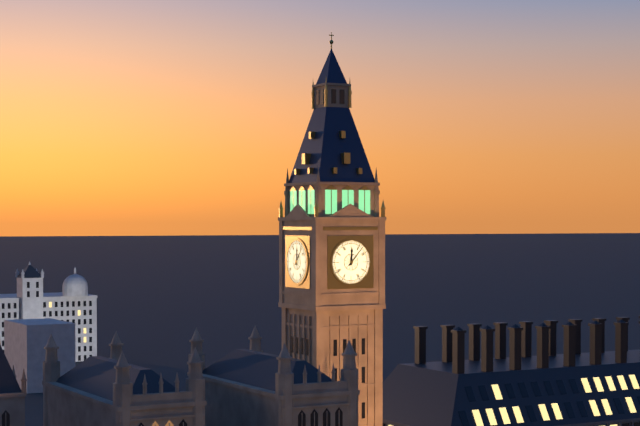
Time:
h=12 m=7
